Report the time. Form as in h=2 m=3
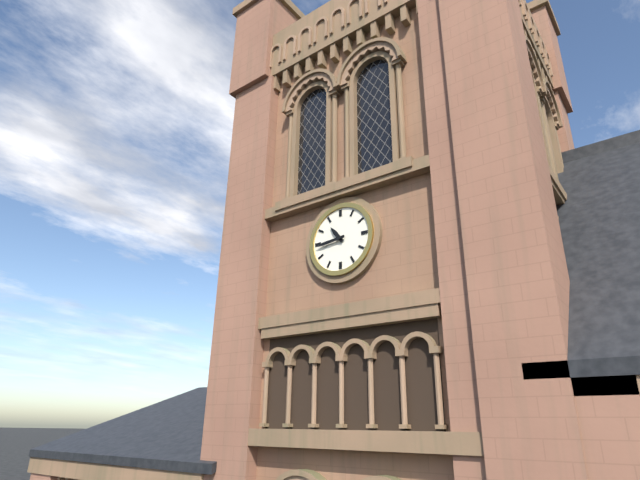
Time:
h=10 m=44
